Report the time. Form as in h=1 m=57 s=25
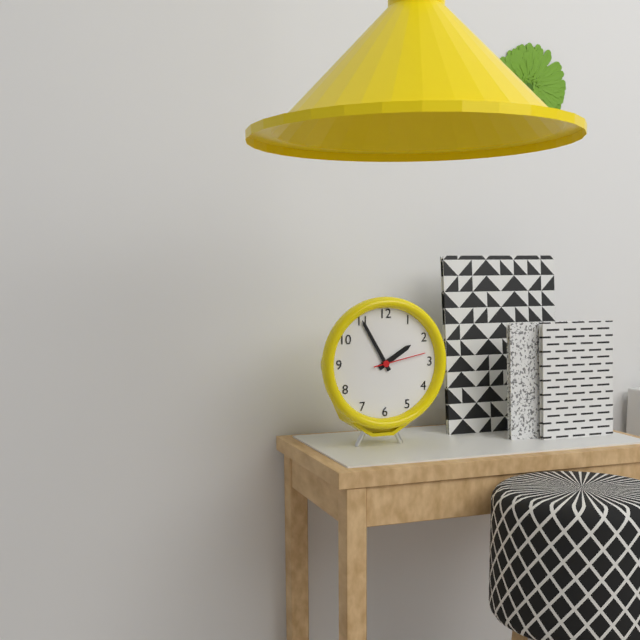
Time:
h=1 m=55 s=13
